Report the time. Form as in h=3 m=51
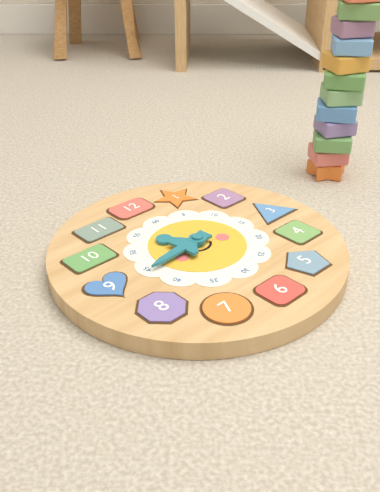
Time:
h=10 m=44
